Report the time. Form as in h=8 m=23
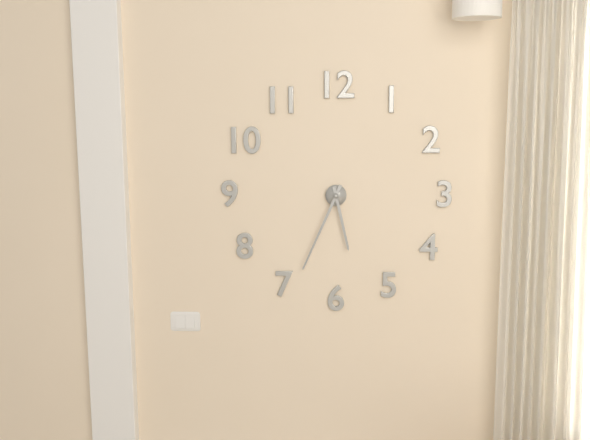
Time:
h=5 m=34
